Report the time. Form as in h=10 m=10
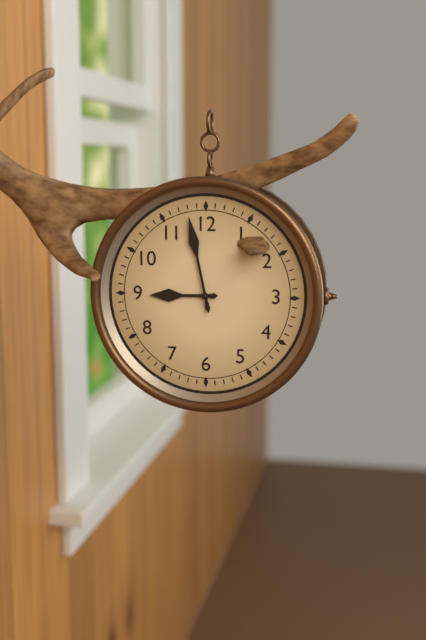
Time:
h=8 m=58
